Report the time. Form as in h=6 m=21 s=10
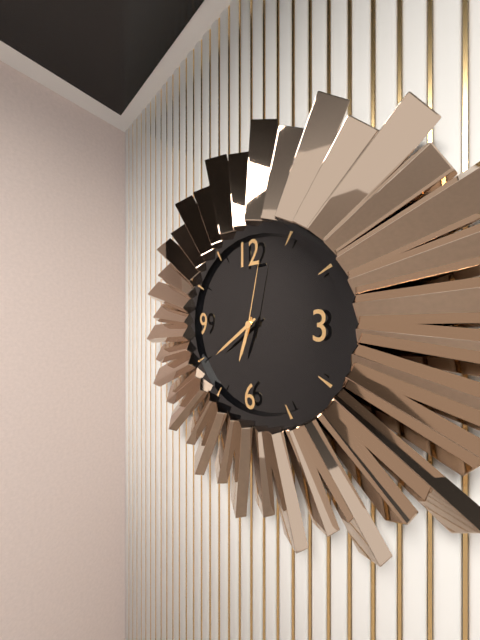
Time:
h=6 m=39 s=2
